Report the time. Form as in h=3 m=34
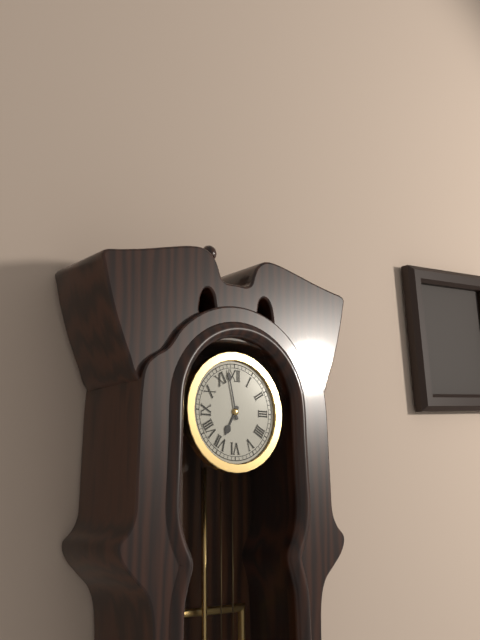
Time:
h=6 m=58
